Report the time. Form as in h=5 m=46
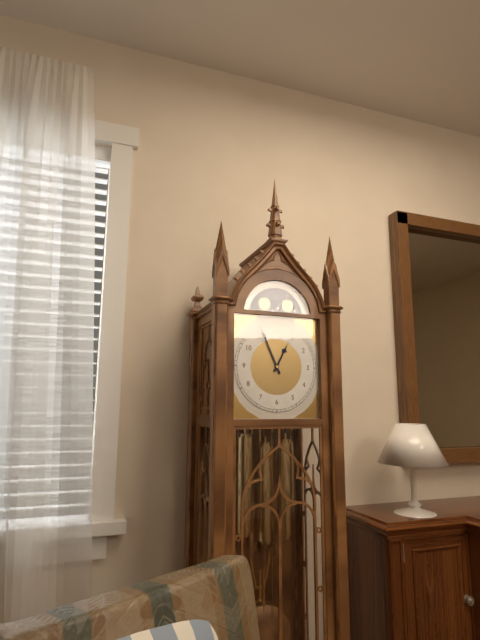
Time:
h=12 m=56
